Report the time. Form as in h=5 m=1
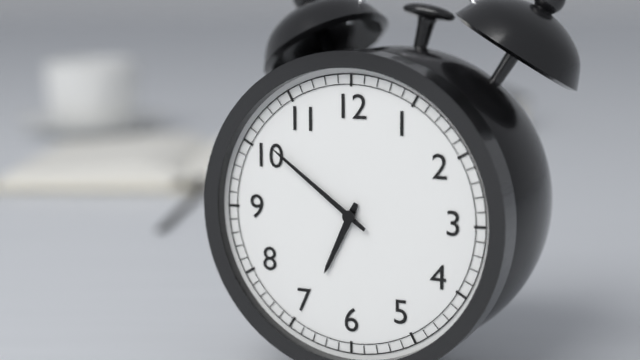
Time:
h=6 m=51
